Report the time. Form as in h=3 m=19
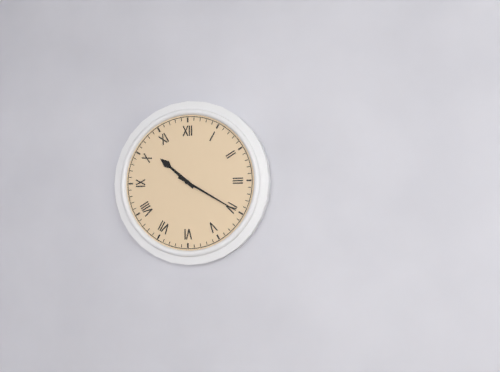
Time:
h=10 m=20
